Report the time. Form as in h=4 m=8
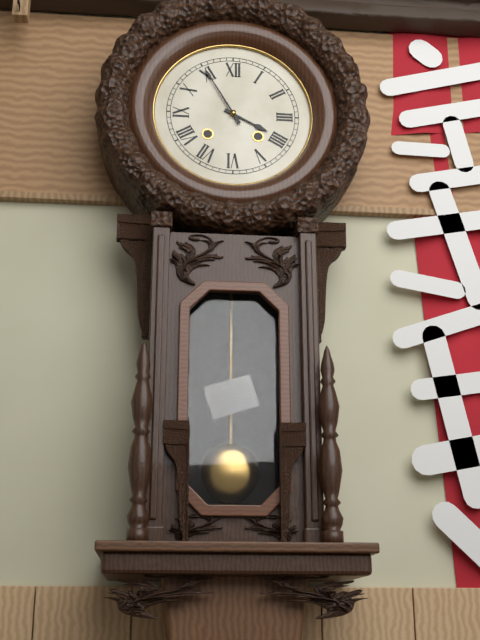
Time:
h=3 m=55
